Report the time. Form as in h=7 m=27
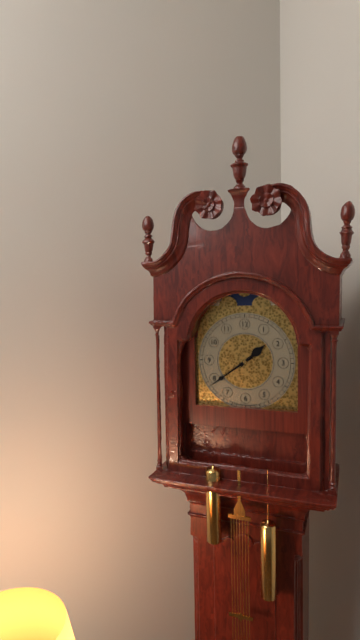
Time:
h=1 m=39
